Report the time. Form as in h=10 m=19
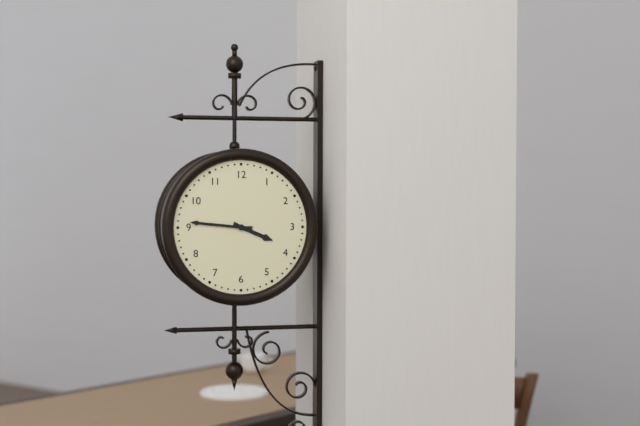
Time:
h=3 m=46
